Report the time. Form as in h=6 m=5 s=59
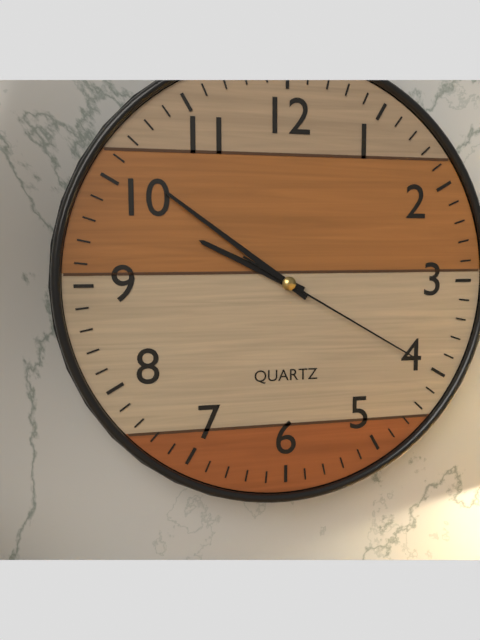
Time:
h=9 m=51 s=20
